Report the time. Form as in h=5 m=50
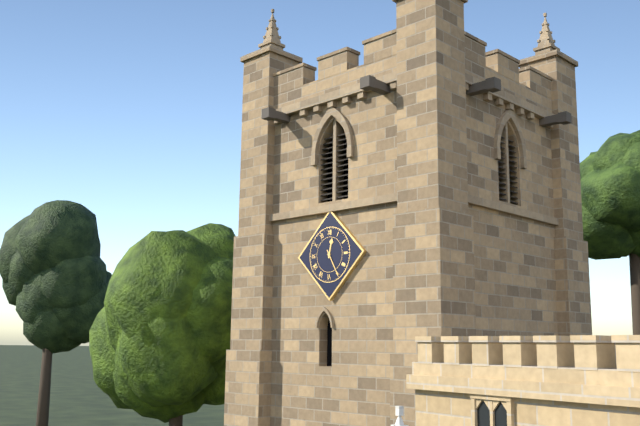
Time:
h=12 m=25
